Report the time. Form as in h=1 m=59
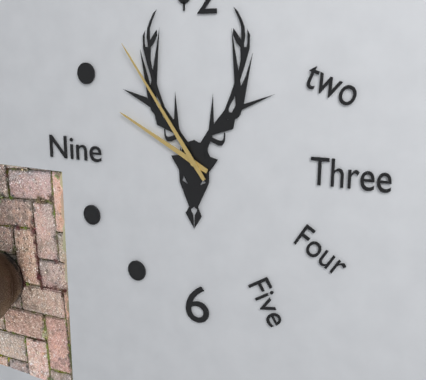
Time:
h=9 m=54
